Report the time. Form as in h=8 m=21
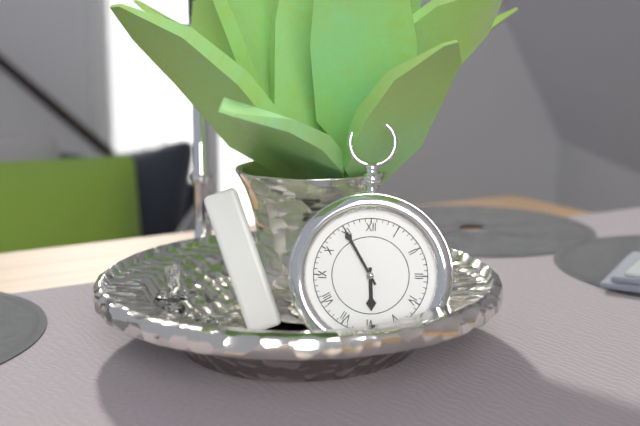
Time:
h=5 m=55
